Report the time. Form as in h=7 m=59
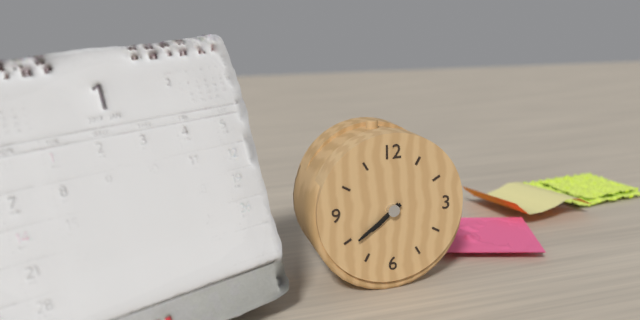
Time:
h=7 m=39
